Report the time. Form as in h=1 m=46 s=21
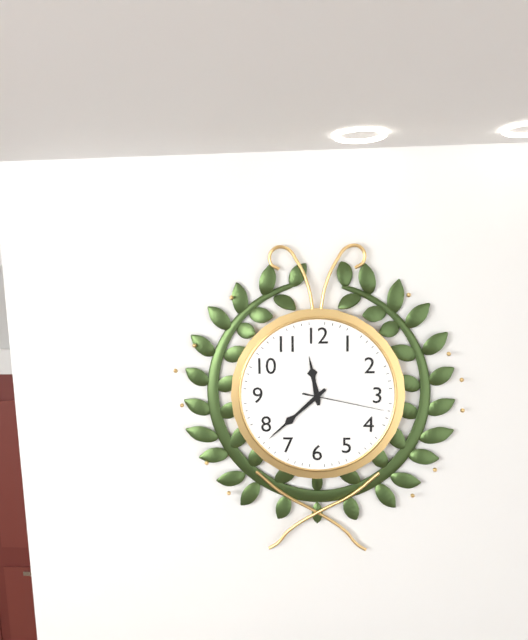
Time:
h=11 m=38 s=17
